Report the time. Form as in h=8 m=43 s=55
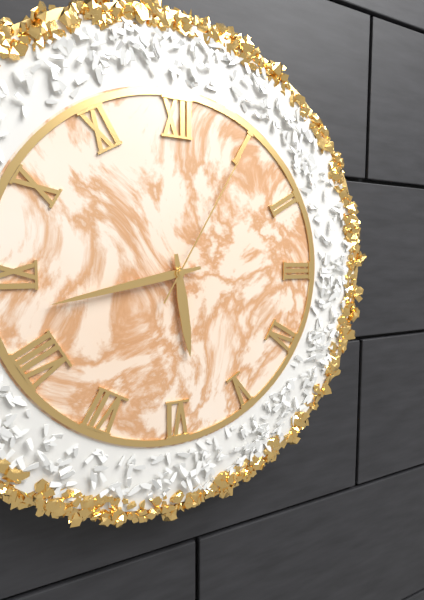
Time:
h=5 m=43 s=5
